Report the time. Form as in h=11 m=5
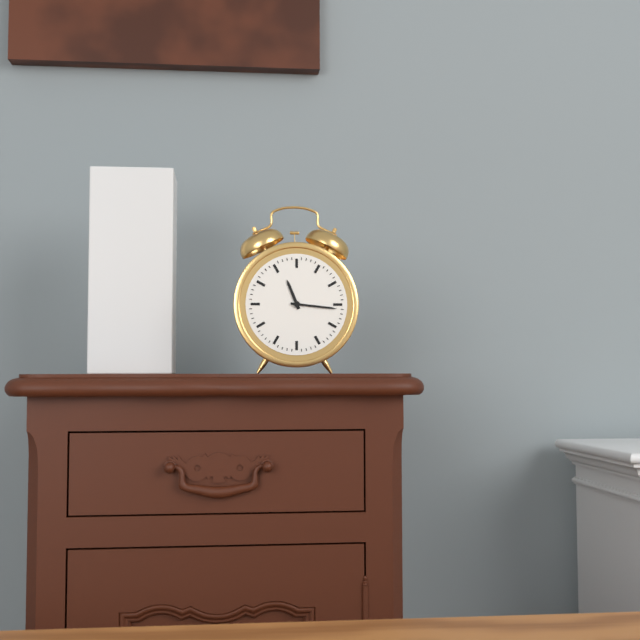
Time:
h=11 m=16
